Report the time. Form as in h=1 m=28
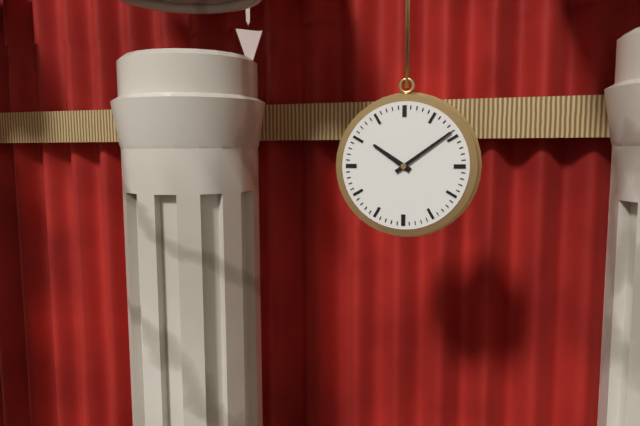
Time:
h=10 m=9
